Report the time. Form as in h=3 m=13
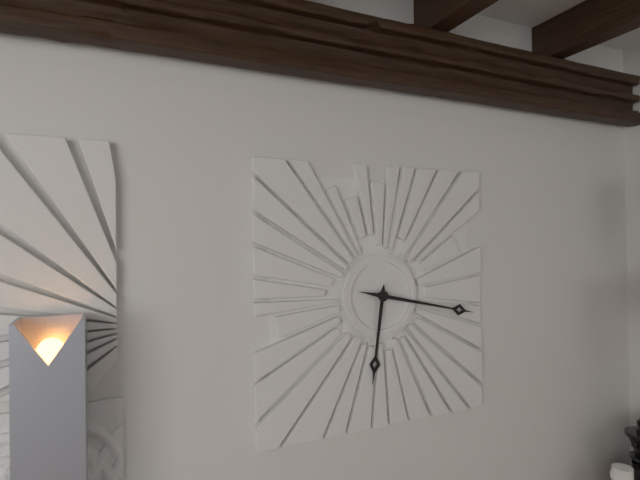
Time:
h=6 m=17
